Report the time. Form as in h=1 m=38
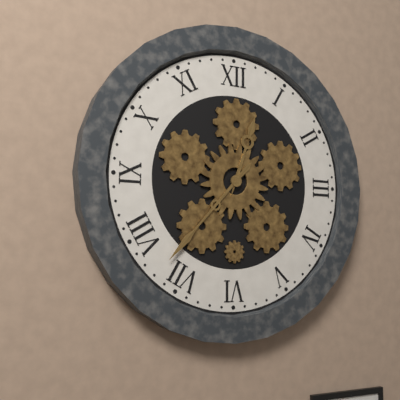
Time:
h=12 m=37
